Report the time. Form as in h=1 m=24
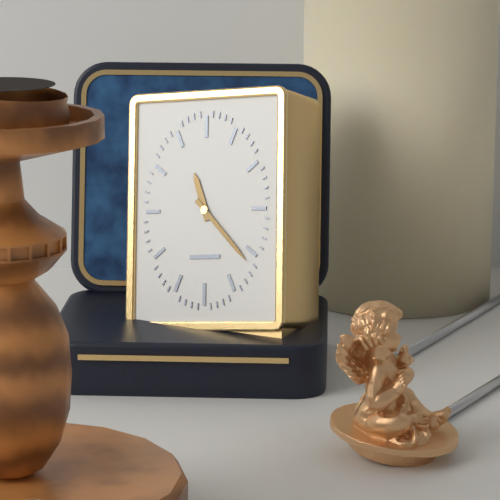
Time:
h=11 m=23
